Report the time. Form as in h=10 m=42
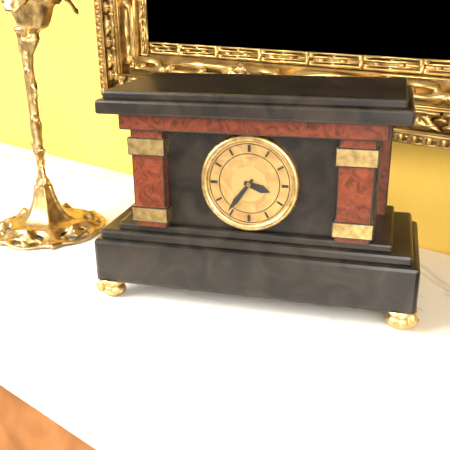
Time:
h=3 m=36
